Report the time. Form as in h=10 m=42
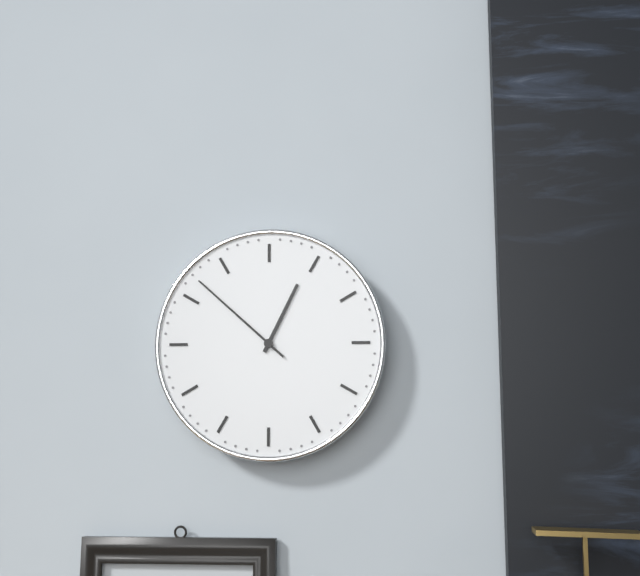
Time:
h=12 m=52
